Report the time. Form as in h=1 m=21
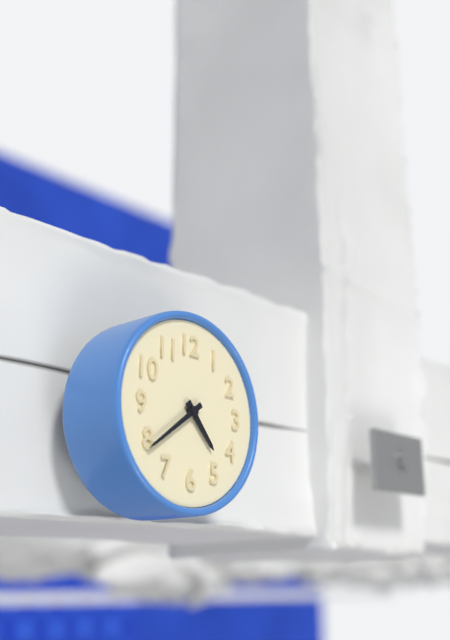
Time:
h=4 m=39
